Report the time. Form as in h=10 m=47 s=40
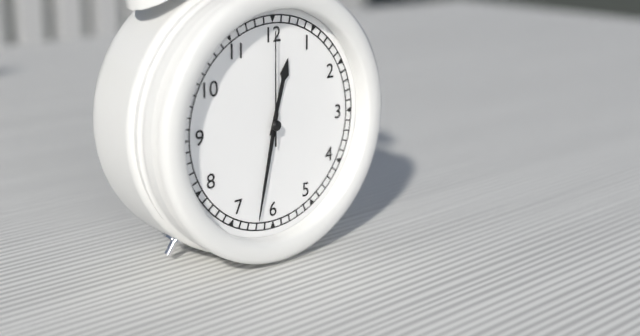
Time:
h=12 m=32 s=0
